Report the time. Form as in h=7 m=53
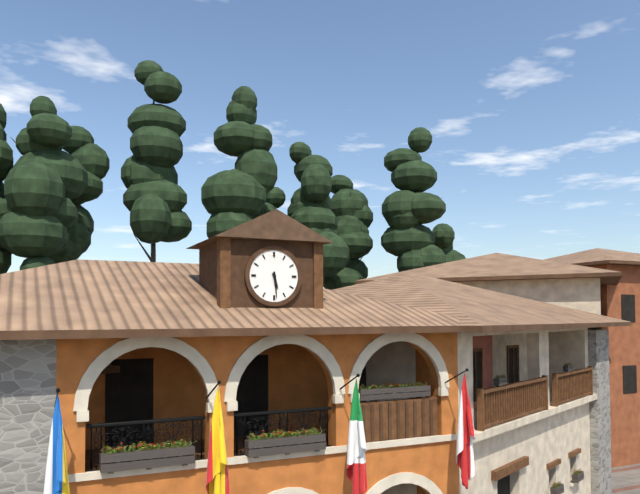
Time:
h=5 m=29
